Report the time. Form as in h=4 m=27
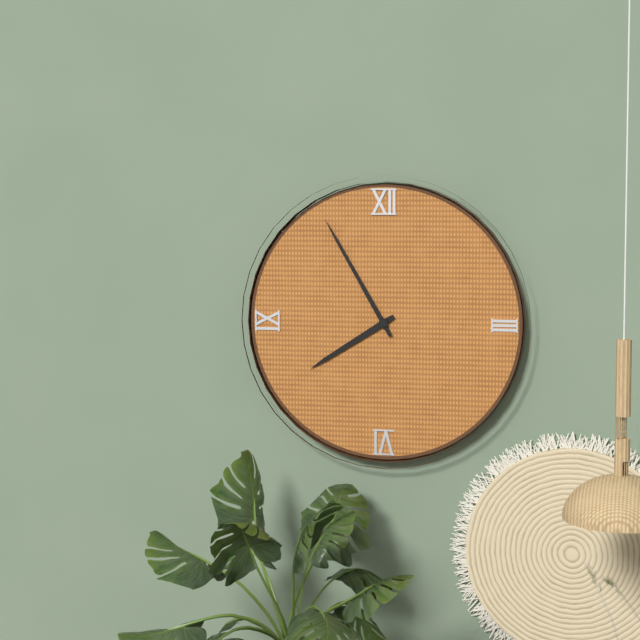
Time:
h=7 m=55
